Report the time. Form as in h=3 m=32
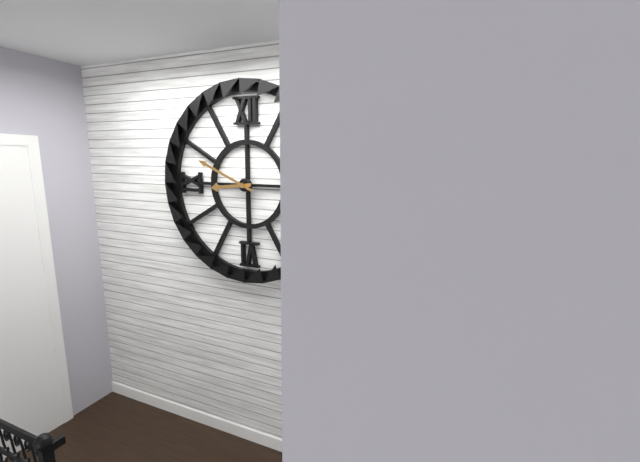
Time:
h=8 m=49
